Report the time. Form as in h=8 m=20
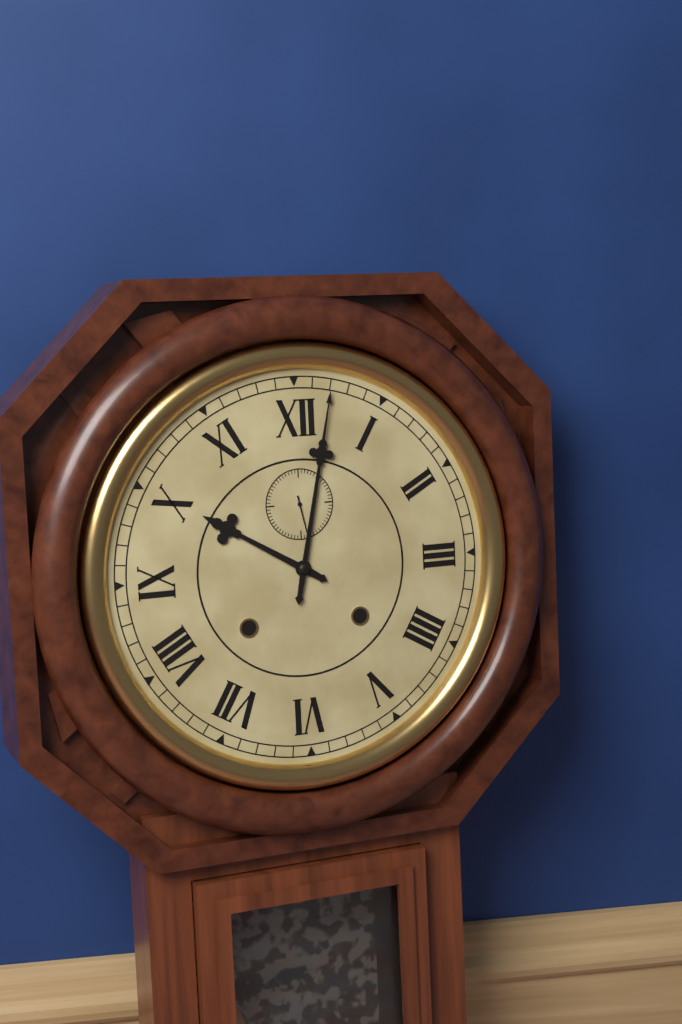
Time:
h=10 m=2
